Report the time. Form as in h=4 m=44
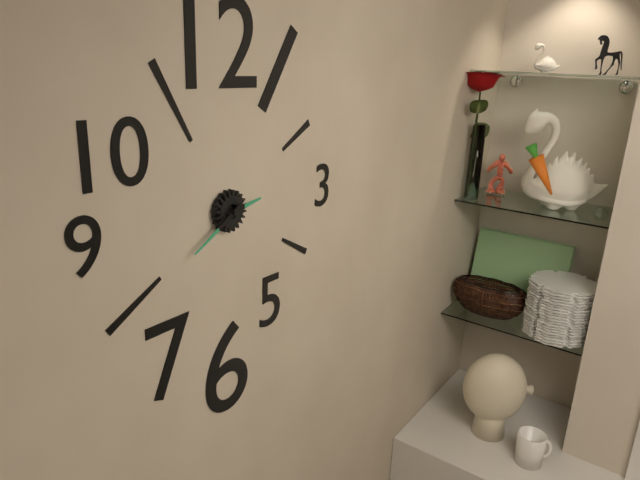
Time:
h=2 m=40
